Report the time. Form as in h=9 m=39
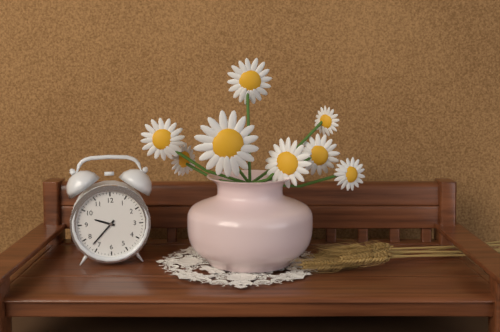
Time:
h=9 m=37
